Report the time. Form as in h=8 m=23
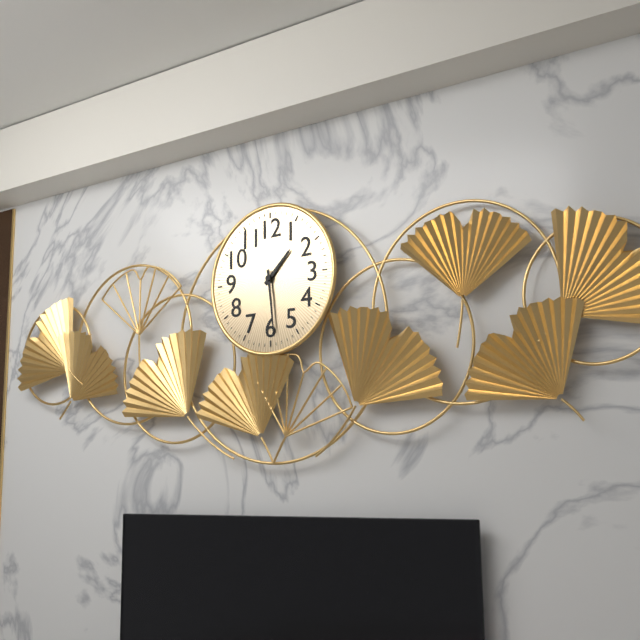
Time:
h=1 m=29
